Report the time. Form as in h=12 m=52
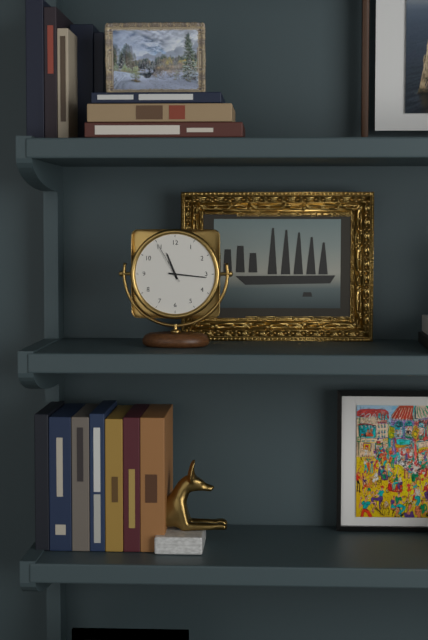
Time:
h=11 m=16
